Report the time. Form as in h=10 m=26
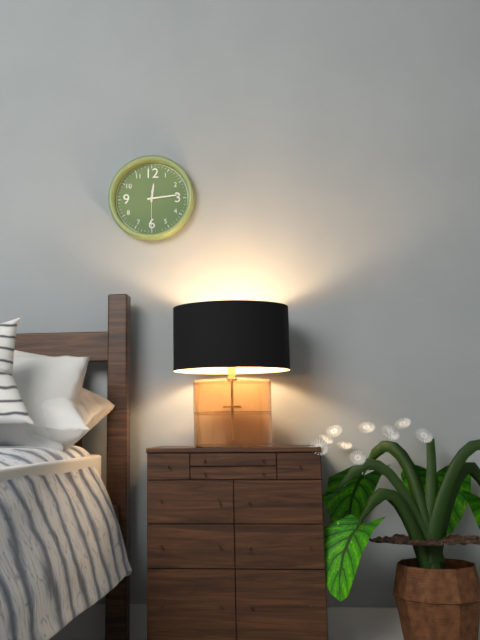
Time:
h=12 m=14
